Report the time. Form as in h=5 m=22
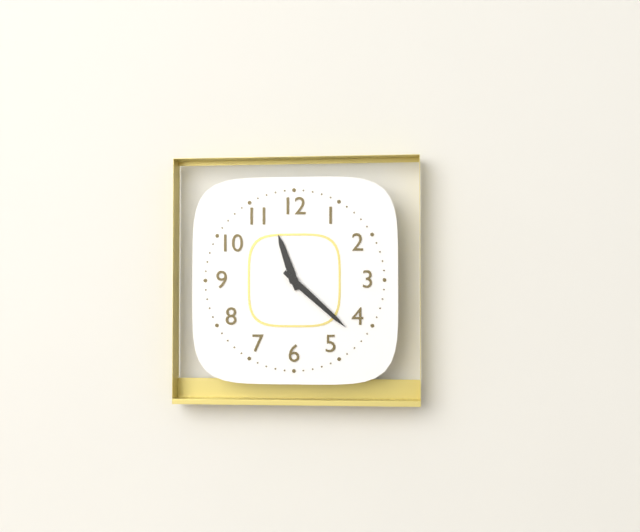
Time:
h=11 m=22
